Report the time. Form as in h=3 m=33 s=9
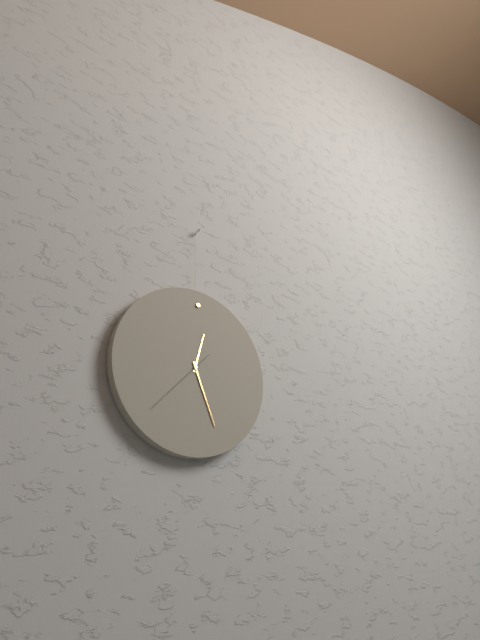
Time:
h=12 m=26 s=37
